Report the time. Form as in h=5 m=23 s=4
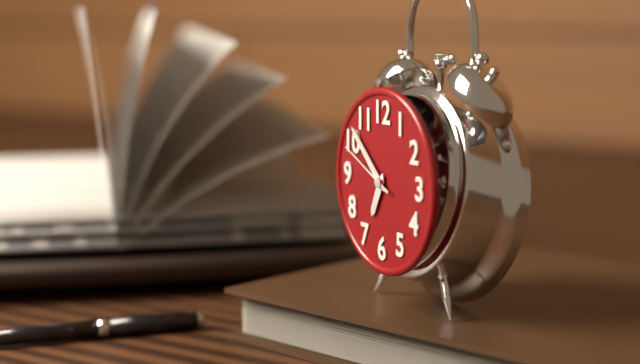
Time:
h=6 m=52 s=49
